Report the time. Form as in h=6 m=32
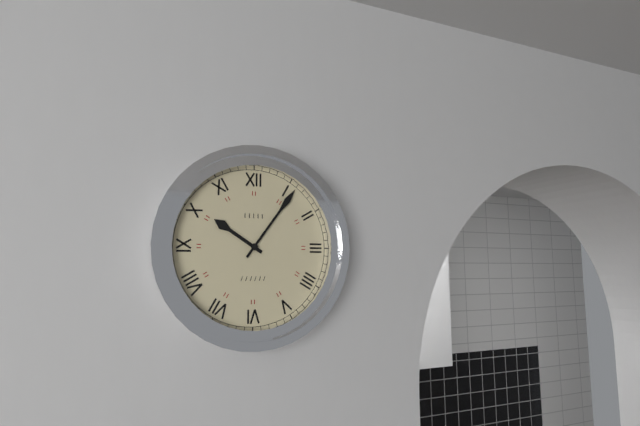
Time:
h=10 m=6
